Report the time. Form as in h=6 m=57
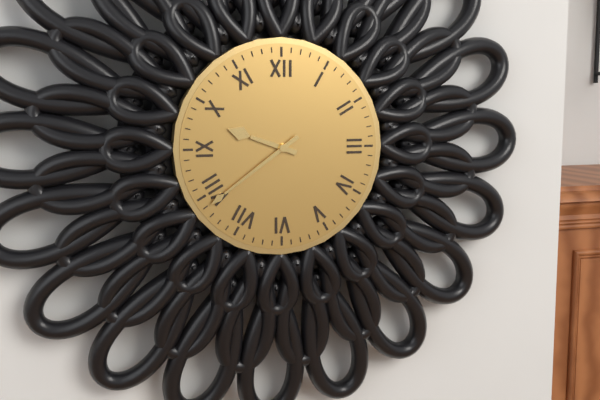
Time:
h=9 m=39
